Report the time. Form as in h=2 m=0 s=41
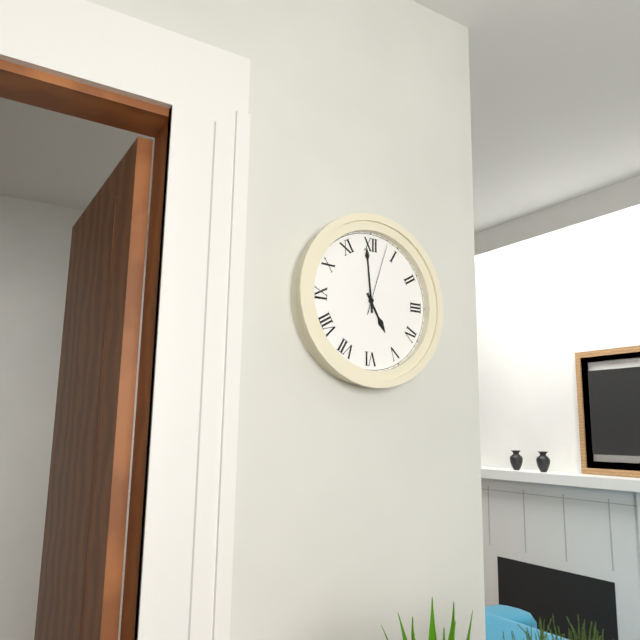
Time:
h=4 m=59 s=3
